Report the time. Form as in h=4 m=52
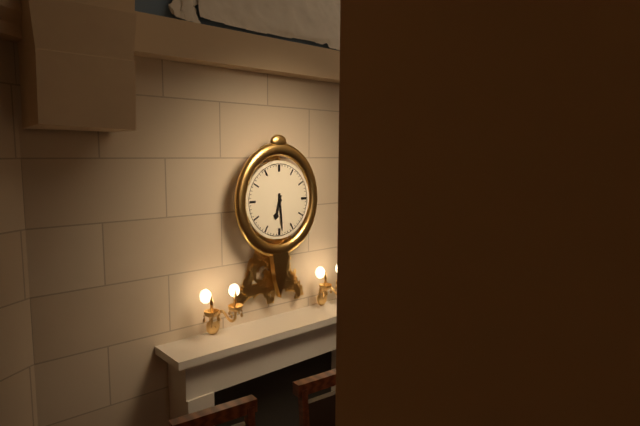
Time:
h=6 m=29
